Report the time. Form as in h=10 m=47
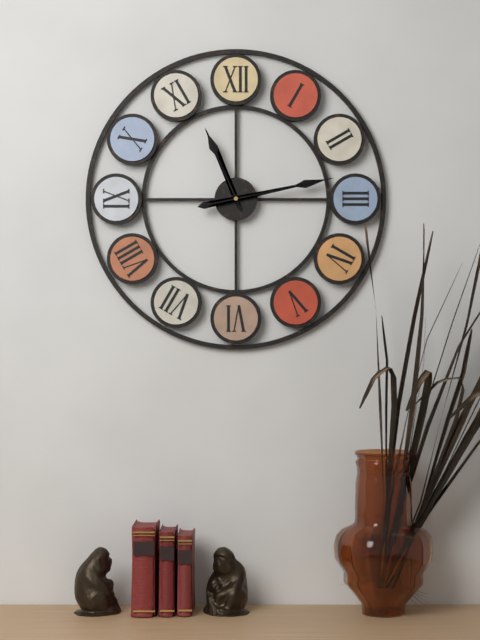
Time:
h=11 m=13
